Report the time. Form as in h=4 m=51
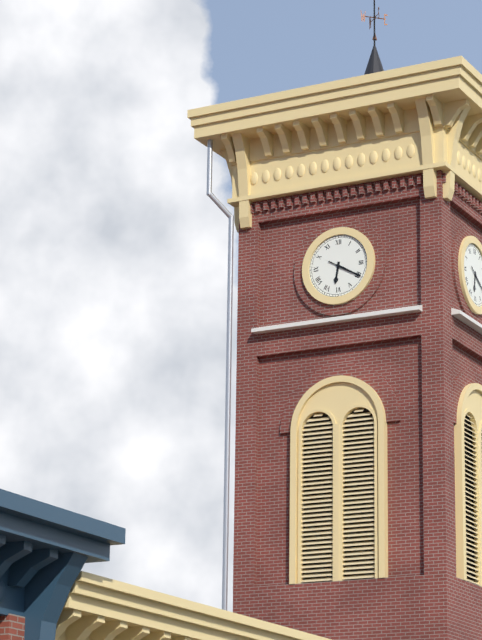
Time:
h=6 m=20
